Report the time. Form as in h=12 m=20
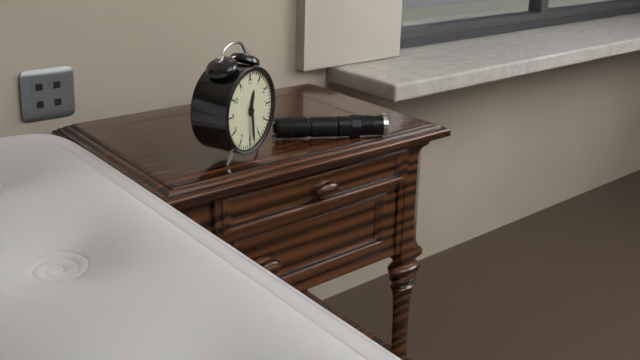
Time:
h=12 m=29
